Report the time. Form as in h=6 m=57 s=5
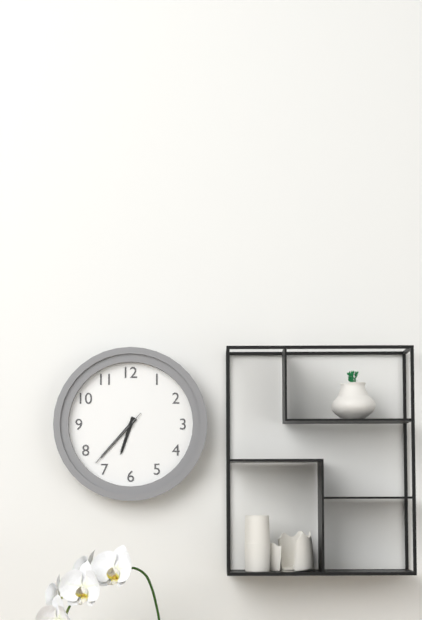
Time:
h=6 m=37 s=37
